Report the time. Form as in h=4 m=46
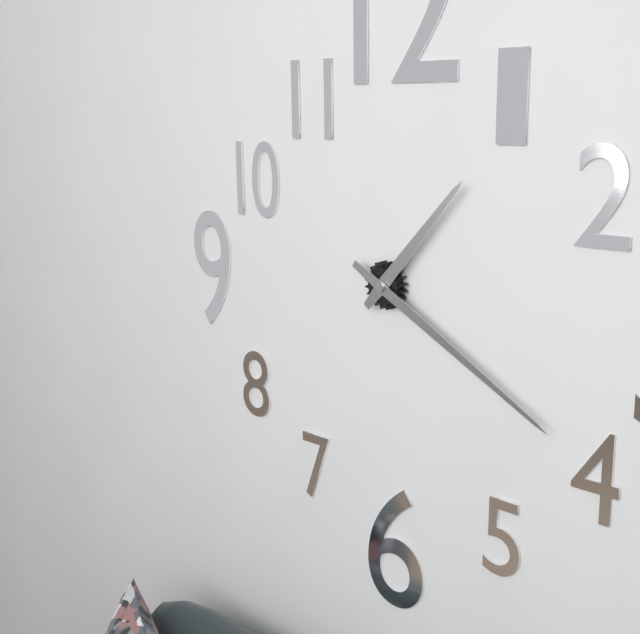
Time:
h=1 m=20
